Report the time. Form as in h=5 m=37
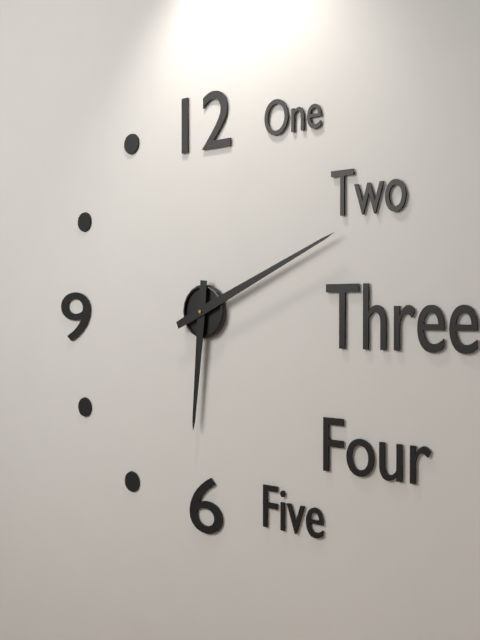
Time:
h=6 m=11
